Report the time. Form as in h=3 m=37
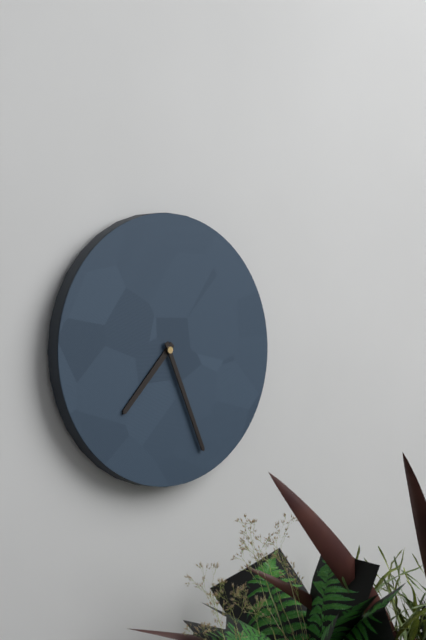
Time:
h=7 m=26
